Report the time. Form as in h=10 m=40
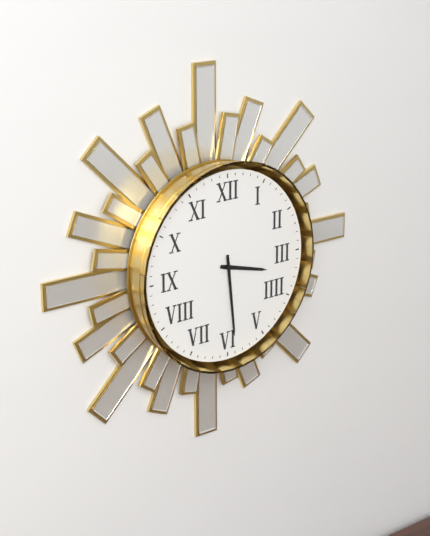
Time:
h=3 m=29
